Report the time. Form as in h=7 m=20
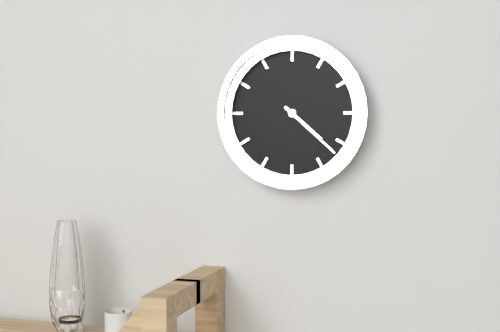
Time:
h=4 m=22
